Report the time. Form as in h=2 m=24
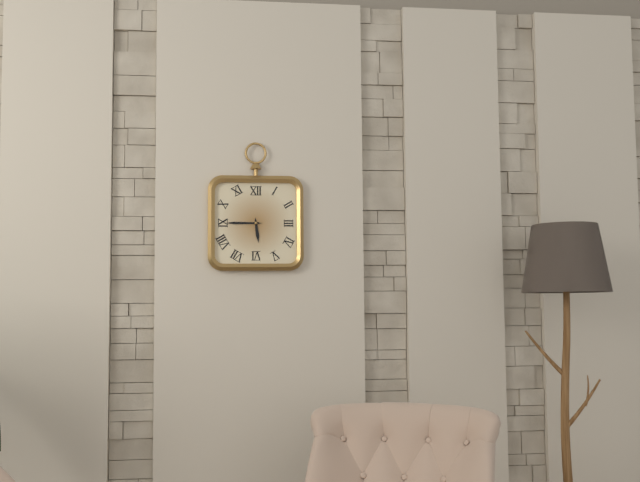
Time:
h=5 m=45
